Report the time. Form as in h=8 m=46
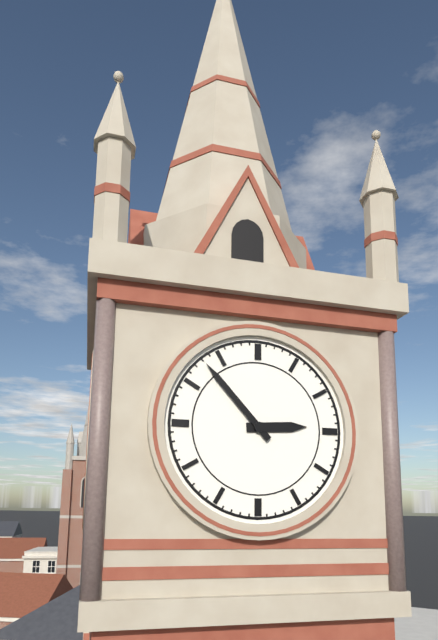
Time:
h=2 m=53
